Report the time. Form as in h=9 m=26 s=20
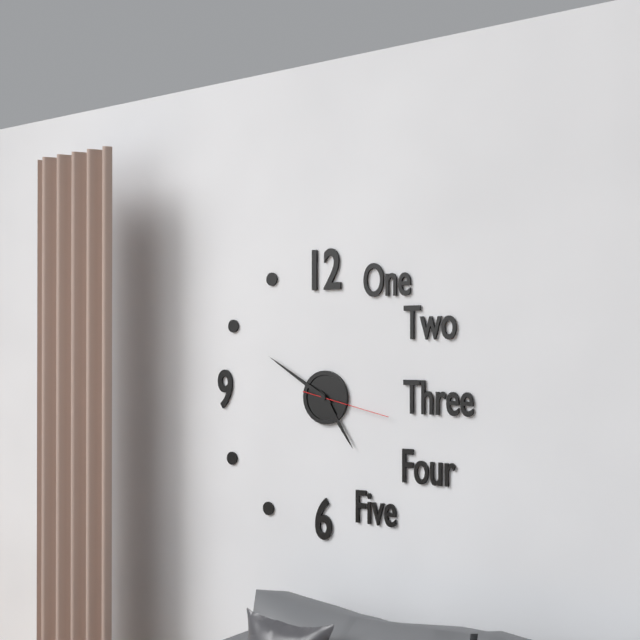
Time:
h=4 m=50 s=17
